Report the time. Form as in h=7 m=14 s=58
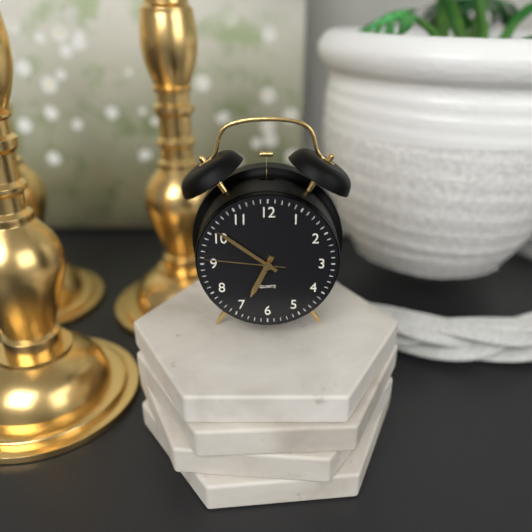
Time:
h=6 m=51 s=46
